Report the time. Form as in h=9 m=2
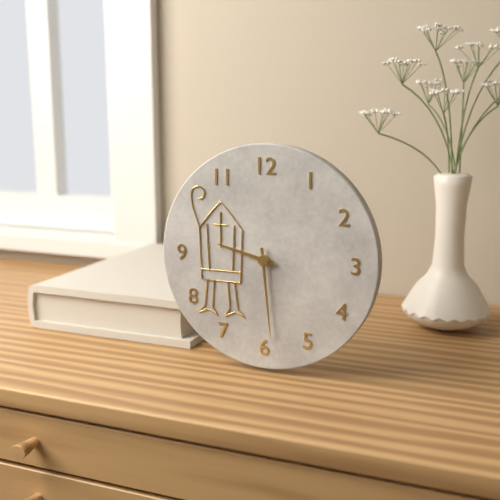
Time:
h=9 m=29
